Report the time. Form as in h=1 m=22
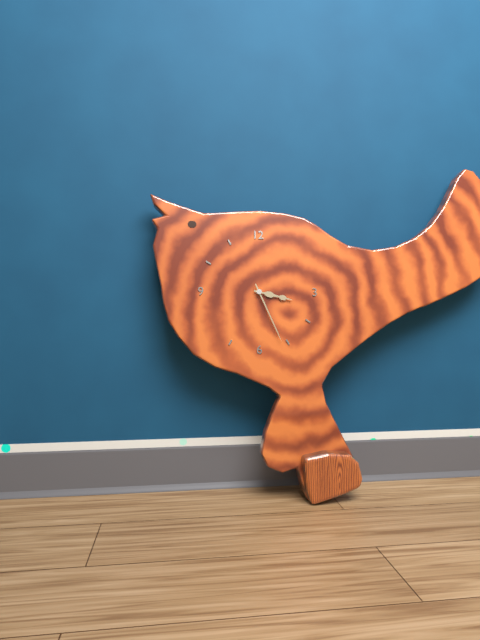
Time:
h=3 m=26
